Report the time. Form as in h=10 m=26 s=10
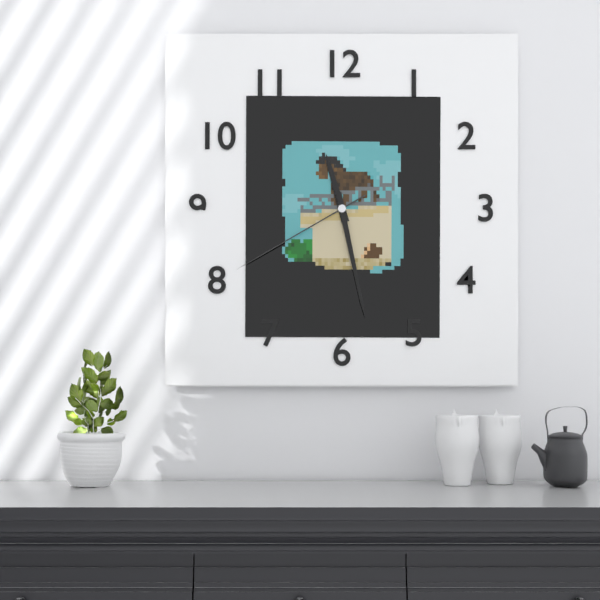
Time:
h=11 m=28 s=40
